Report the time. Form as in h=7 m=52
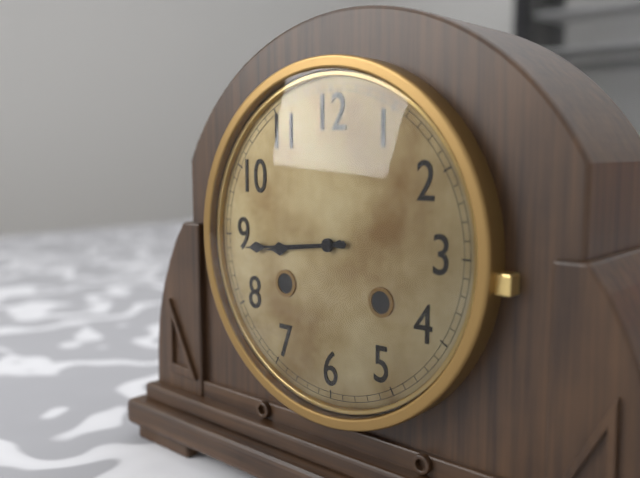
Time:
h=8 m=44
